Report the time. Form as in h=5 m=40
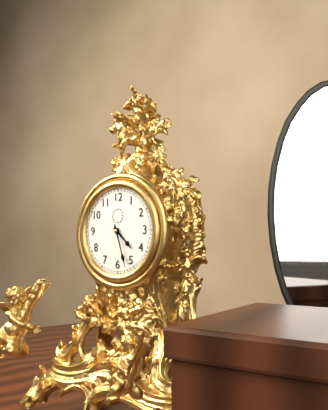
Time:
h=4 m=27
